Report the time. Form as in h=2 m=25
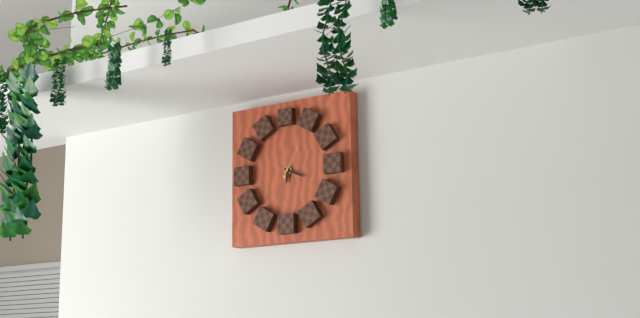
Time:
h=6 m=19
